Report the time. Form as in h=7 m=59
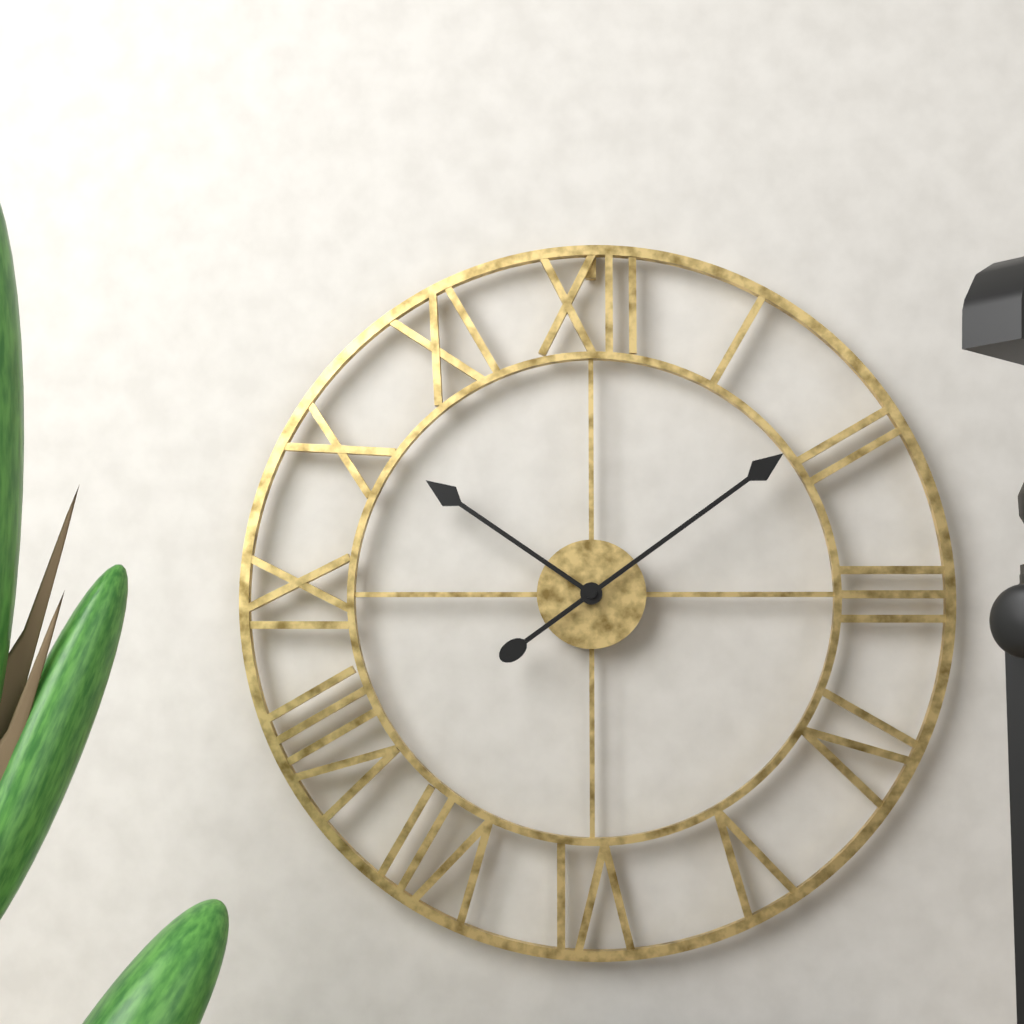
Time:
h=10 m=9
